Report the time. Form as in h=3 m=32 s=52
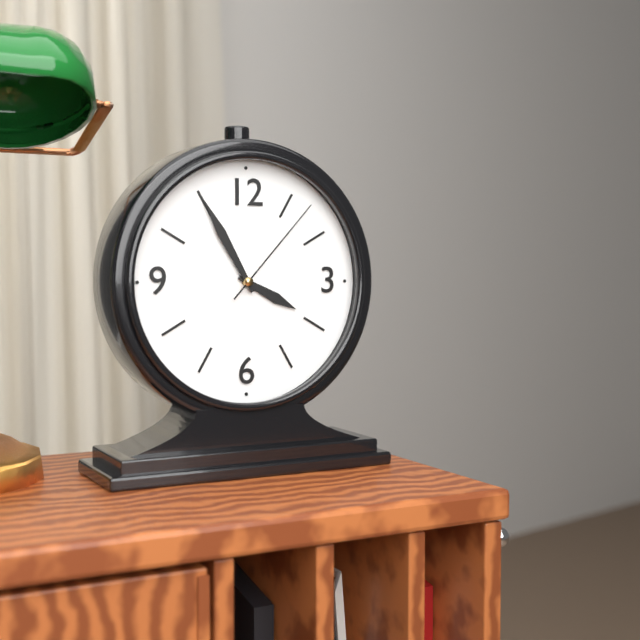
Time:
h=3 m=55 s=7
